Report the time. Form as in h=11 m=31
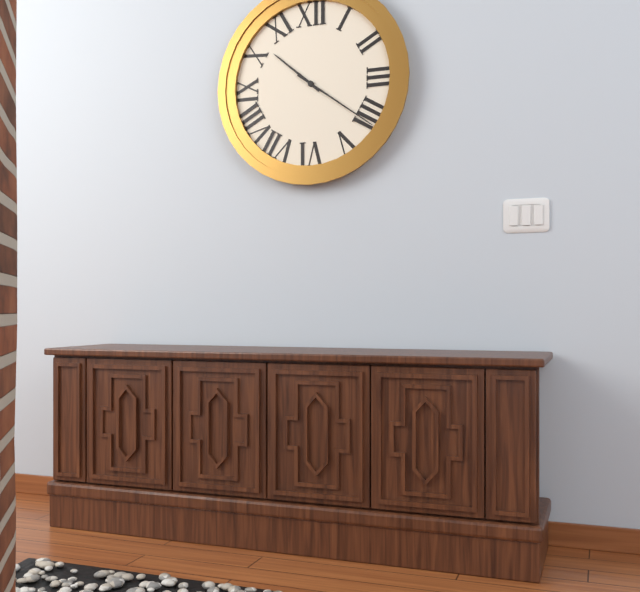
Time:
h=10 m=21
